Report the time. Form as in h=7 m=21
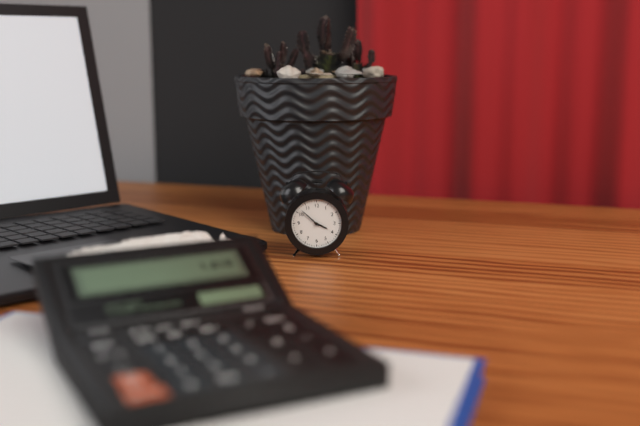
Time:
h=3 m=52
